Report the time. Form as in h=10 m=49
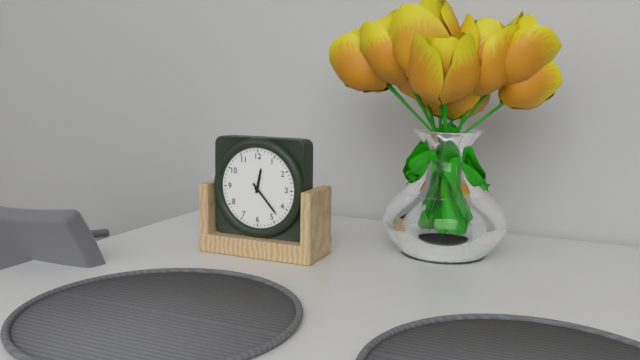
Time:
h=12 m=23
